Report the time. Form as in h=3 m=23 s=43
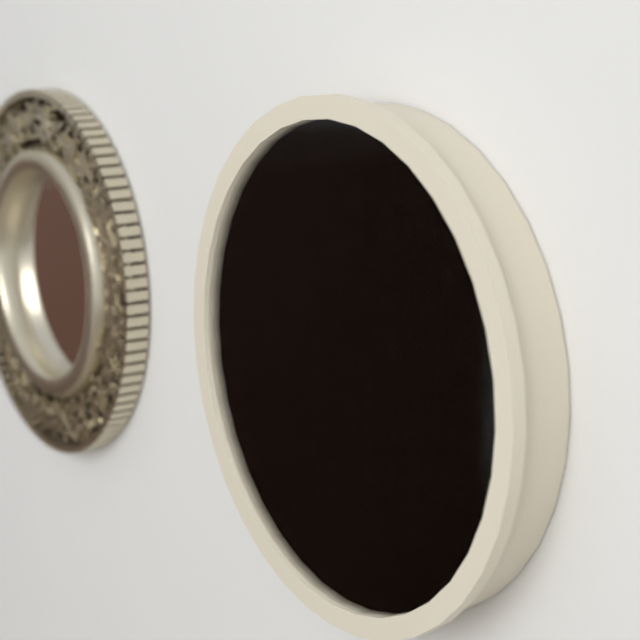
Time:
h=12 m=1 s=58
